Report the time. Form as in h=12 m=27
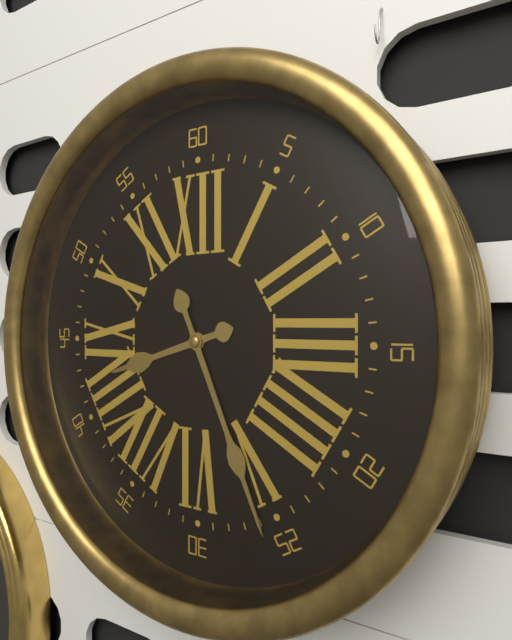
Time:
h=8 m=26
